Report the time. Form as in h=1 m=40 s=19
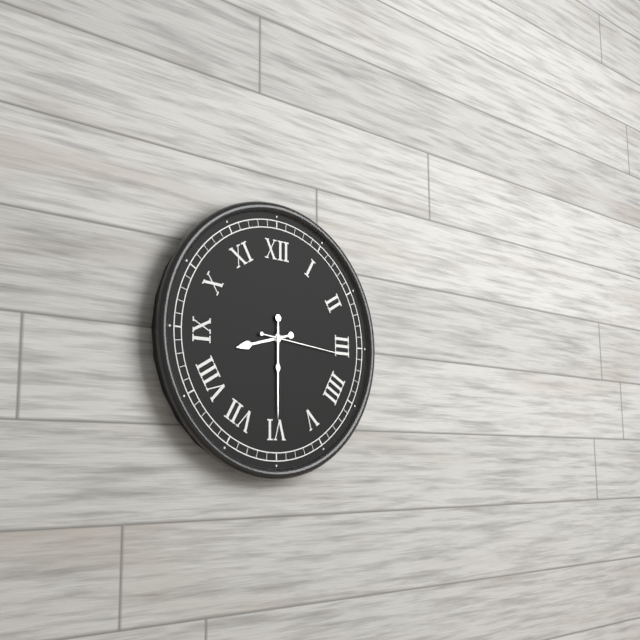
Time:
h=8 m=30 s=16
